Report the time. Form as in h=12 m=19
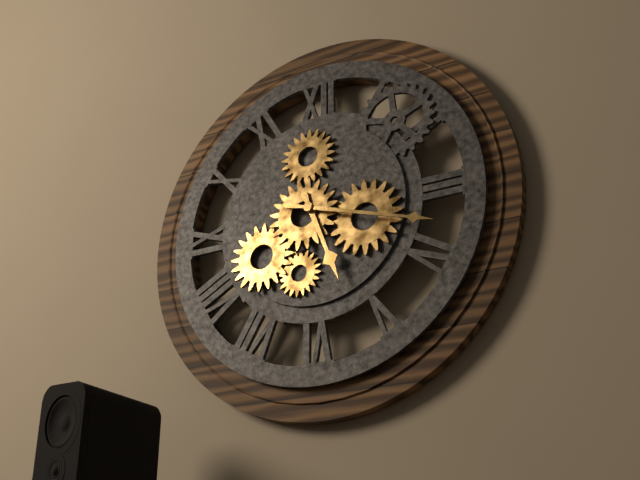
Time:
h=5 m=18
